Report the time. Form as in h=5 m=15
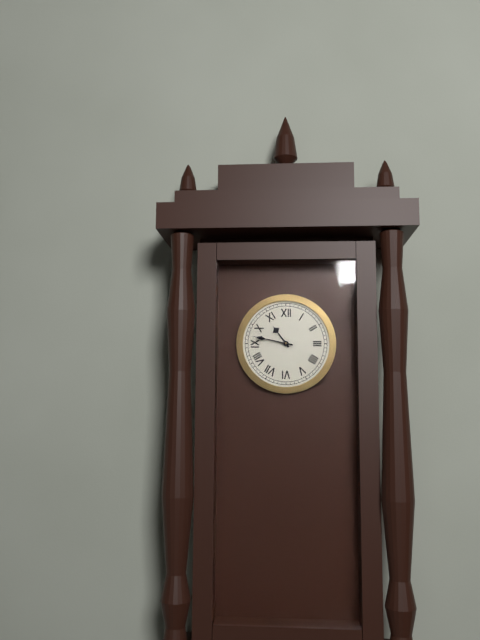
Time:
h=10 m=47
